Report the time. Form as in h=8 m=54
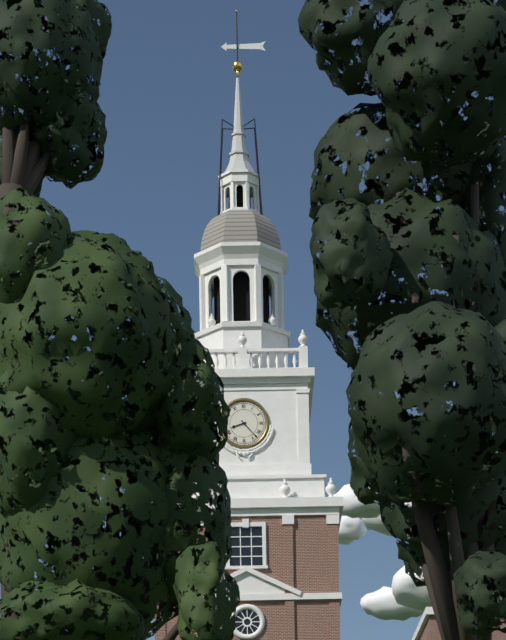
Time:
h=8 m=23
